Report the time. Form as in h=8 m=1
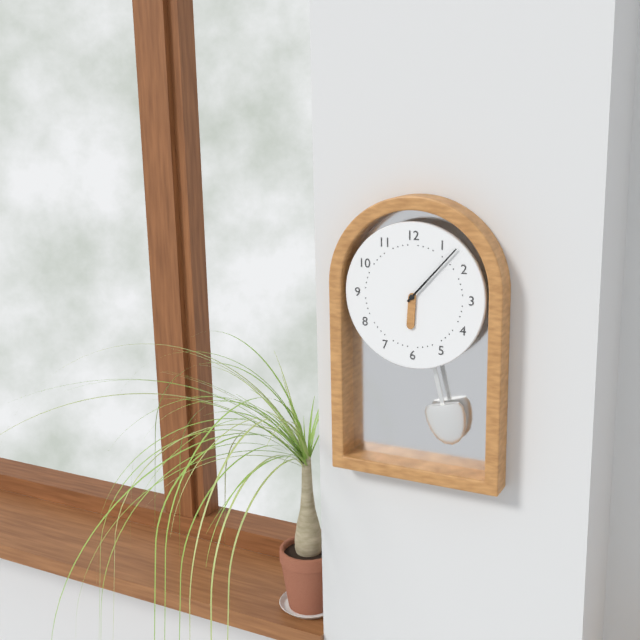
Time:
h=6 m=7
